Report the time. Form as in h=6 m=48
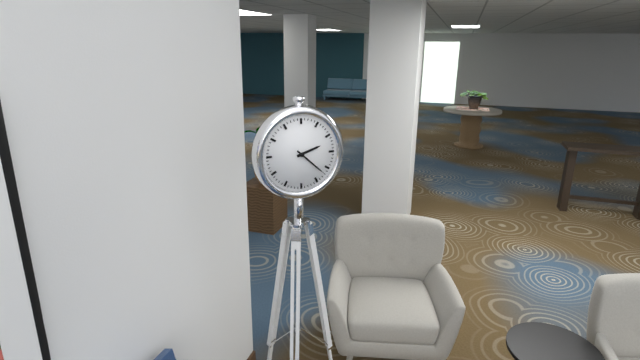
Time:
h=2 m=22
